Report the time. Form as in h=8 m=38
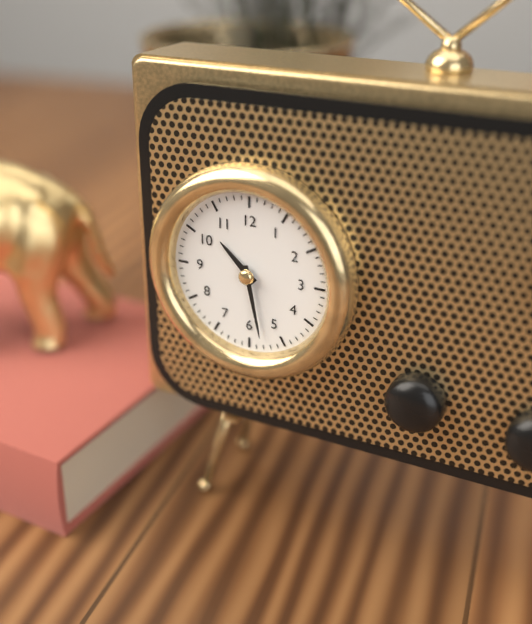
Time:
h=10 m=28
